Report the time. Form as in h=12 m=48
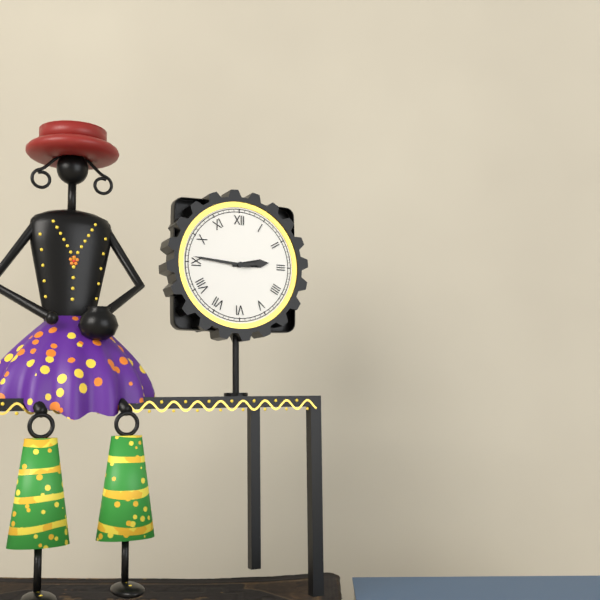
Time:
h=2 m=46
